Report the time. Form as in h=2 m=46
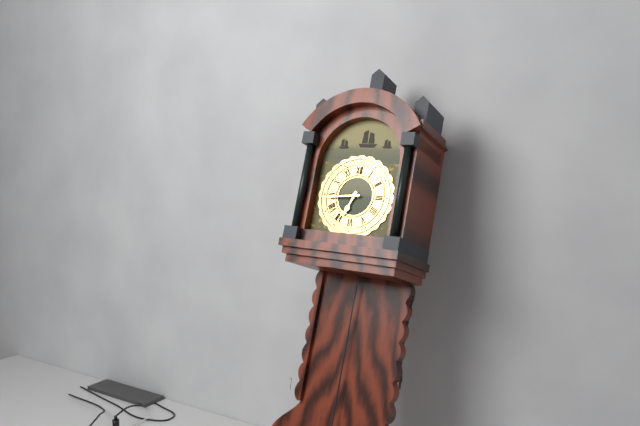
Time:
h=6 m=44
